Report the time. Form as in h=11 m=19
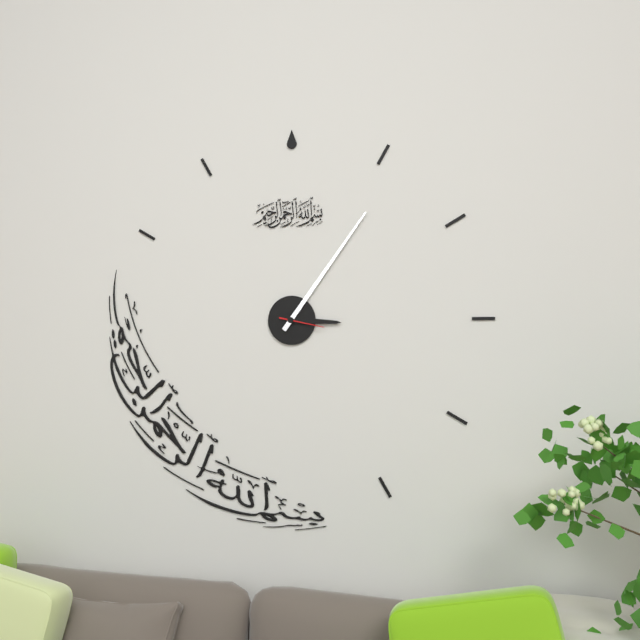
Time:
h=3 m=6
